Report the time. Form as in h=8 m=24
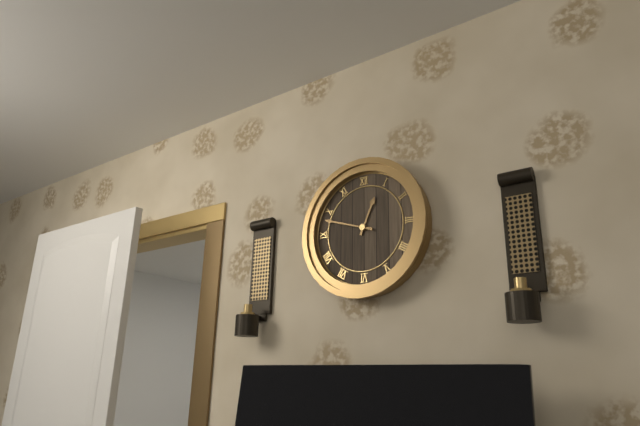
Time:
h=12 m=48
